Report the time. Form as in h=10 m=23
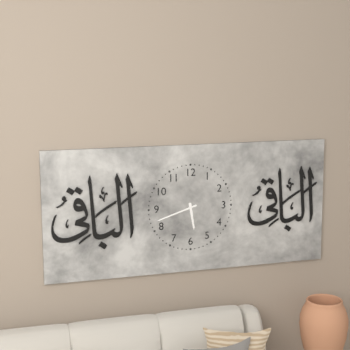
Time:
h=5 m=42
